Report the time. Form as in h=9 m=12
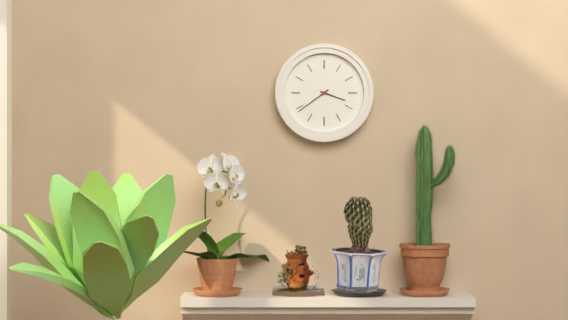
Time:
h=3 m=39
